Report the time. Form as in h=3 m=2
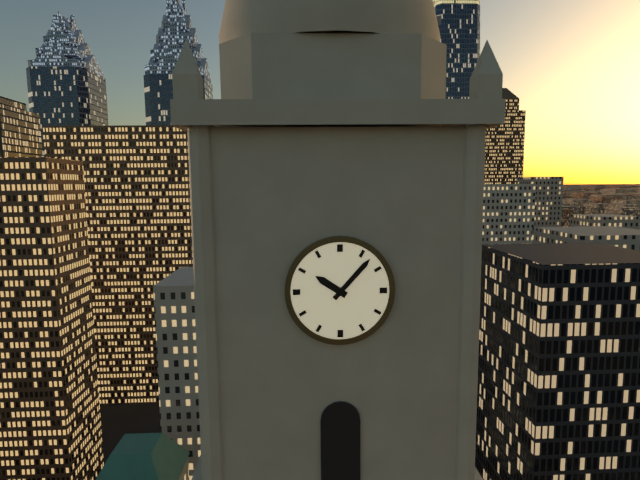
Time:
h=10 m=7
